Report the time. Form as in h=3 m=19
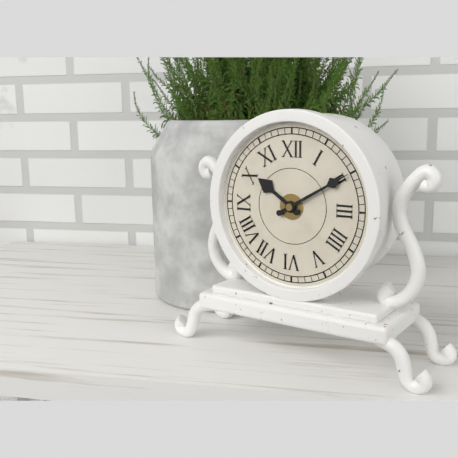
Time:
h=10 m=10
